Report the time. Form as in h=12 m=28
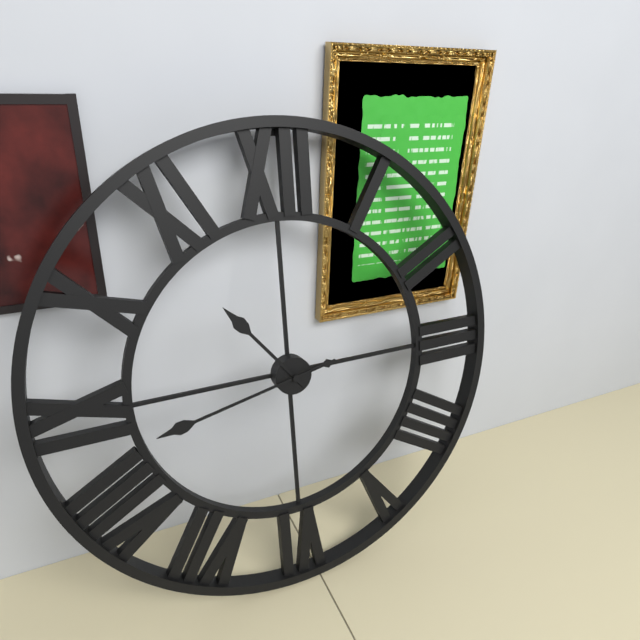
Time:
h=10 m=43
